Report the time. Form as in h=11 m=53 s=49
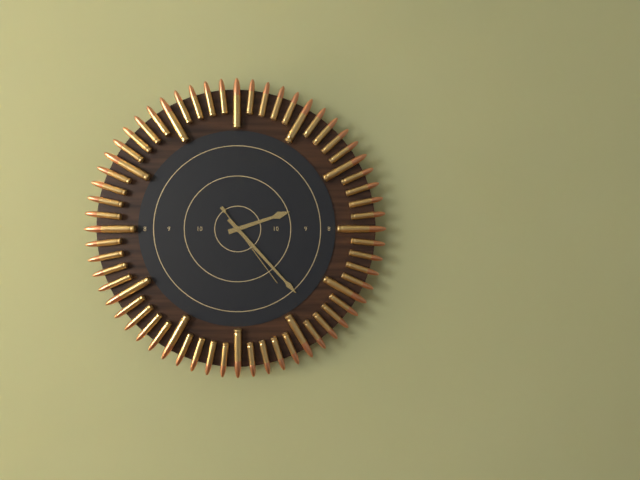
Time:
h=2 m=23 s=24
